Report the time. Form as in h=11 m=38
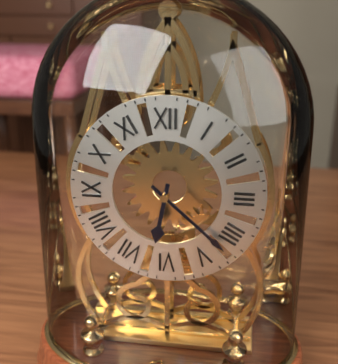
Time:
h=6 m=22
